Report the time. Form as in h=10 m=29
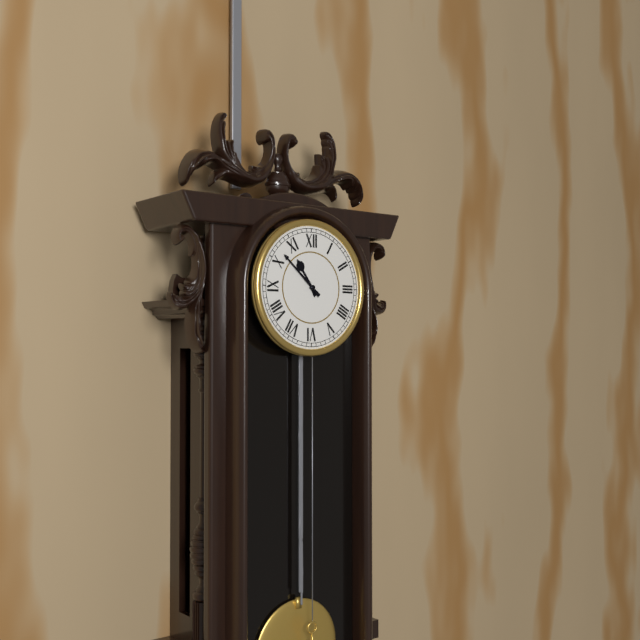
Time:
h=10 m=52
